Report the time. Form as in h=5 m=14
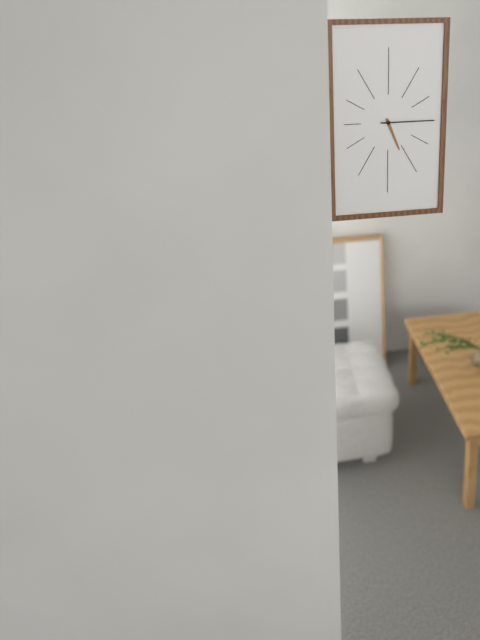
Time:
h=5 m=15
